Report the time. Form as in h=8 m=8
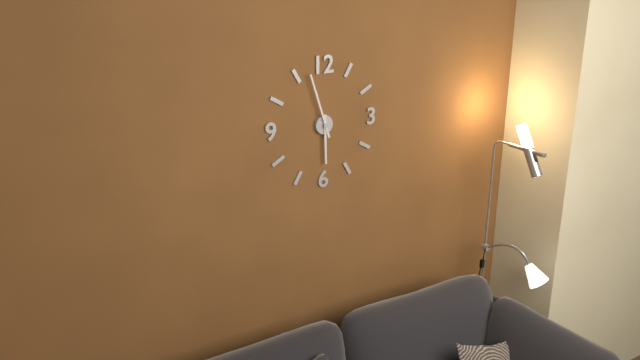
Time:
h=5 m=57
